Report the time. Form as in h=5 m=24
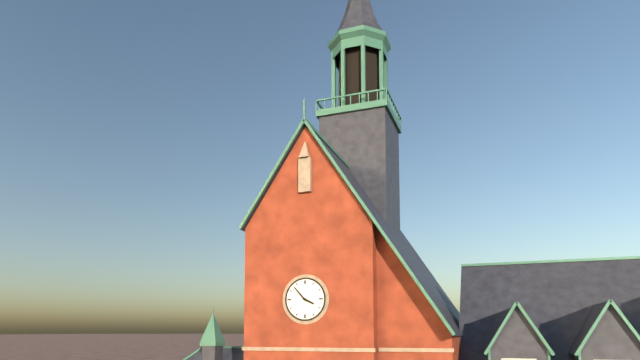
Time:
h=3 m=53
